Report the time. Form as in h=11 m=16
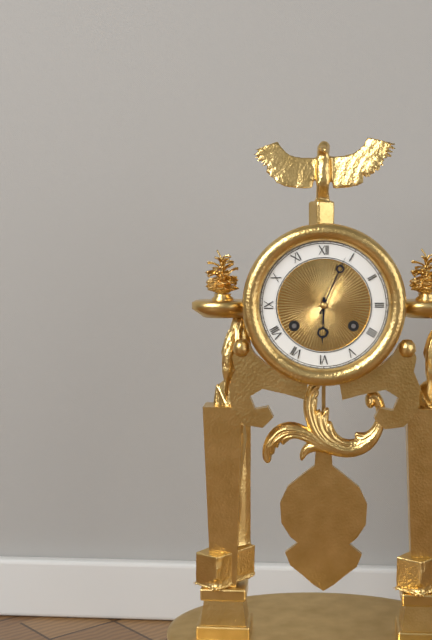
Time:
h=6 m=4
